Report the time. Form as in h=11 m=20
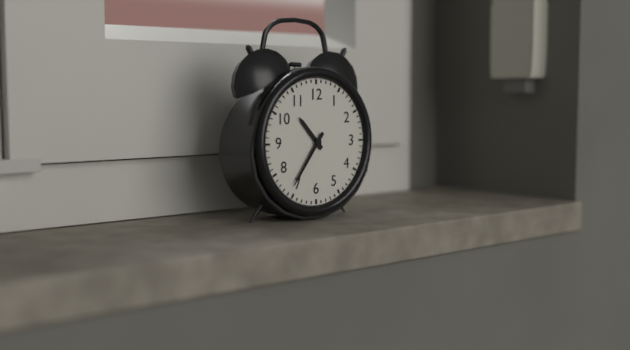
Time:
h=10 m=36
